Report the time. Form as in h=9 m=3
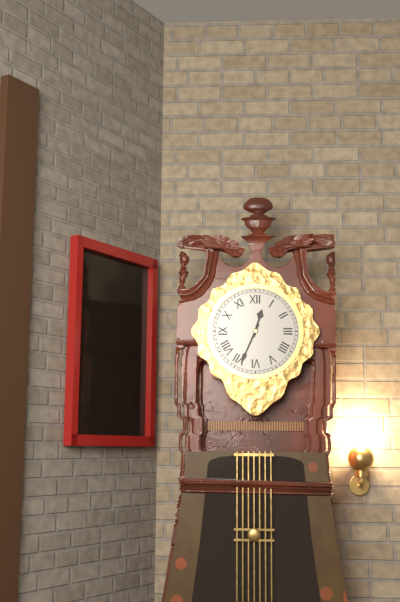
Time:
h=12 m=34
